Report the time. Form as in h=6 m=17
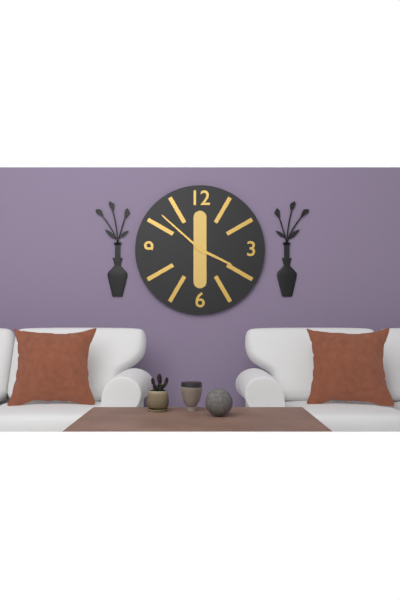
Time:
h=3 m=52
